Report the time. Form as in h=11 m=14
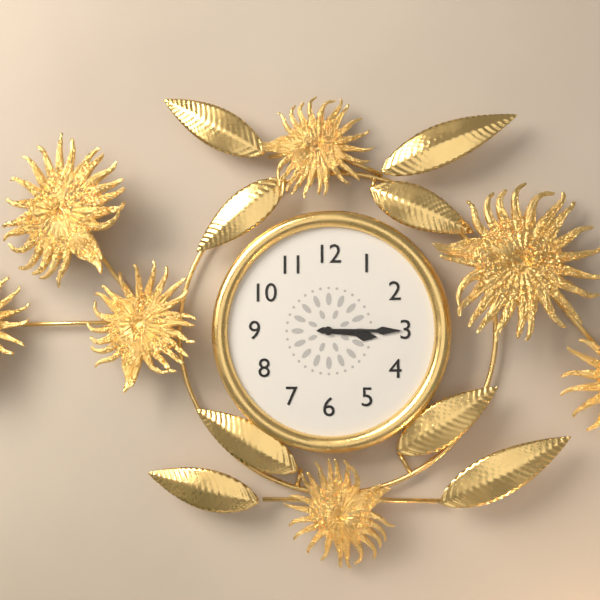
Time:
h=3 m=15
